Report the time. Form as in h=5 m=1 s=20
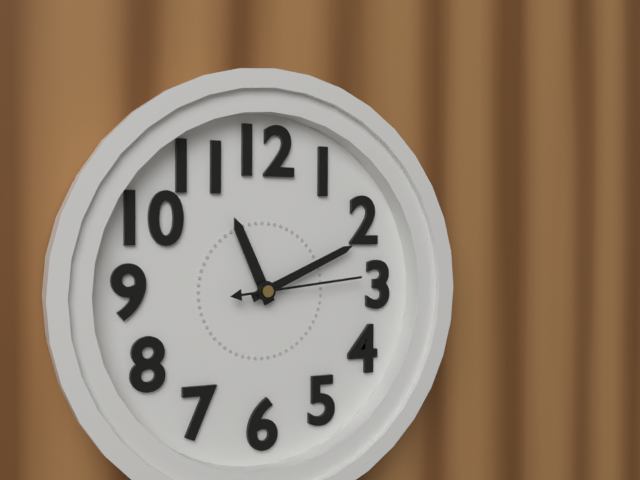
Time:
h=11 m=11 s=14
